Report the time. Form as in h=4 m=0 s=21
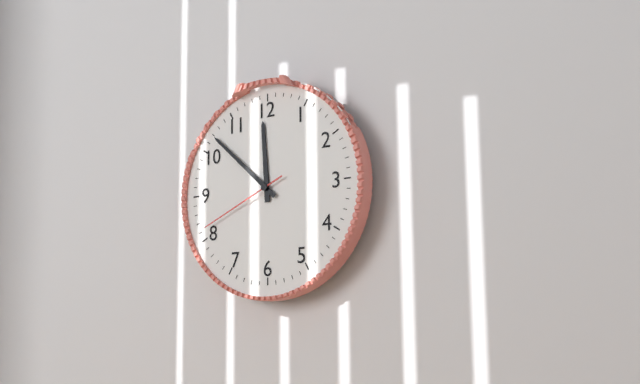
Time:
h=11 m=52 s=41
